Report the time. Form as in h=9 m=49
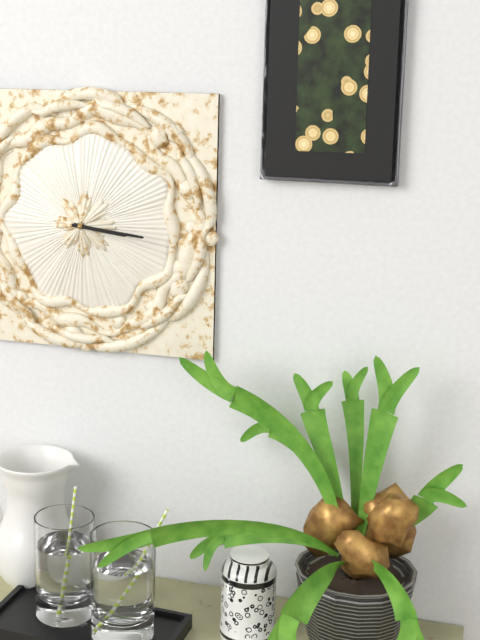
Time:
h=3 m=16
